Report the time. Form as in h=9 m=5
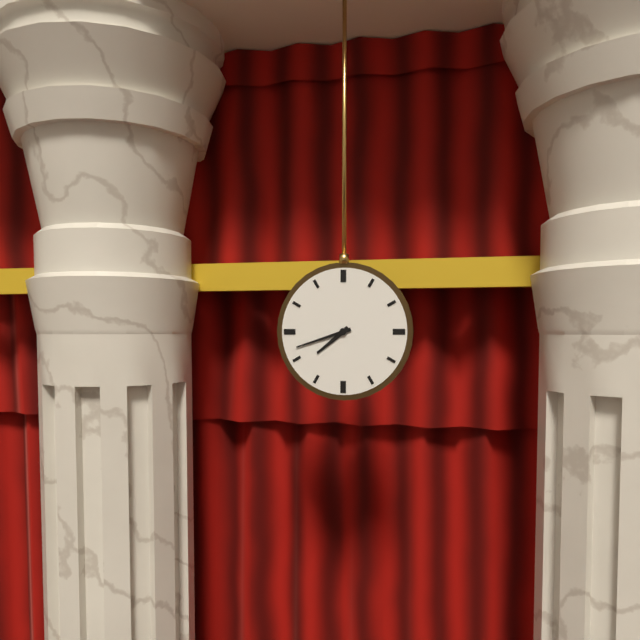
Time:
h=7 m=42
